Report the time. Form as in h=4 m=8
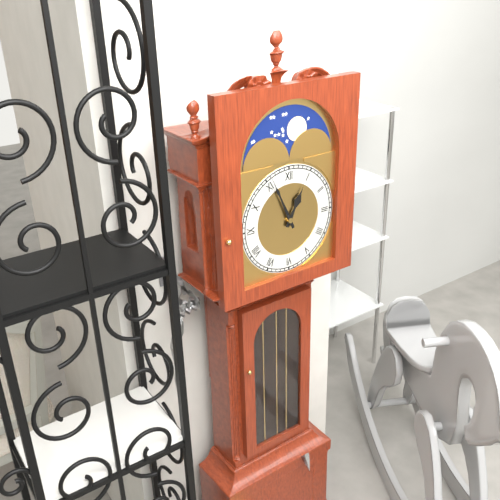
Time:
h=12 m=56
